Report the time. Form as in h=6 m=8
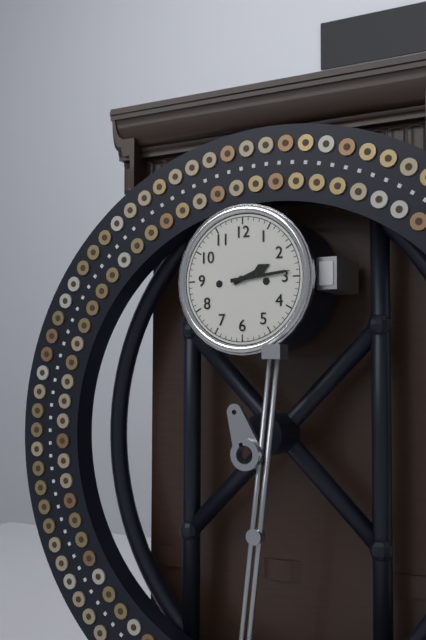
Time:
h=2 m=14
